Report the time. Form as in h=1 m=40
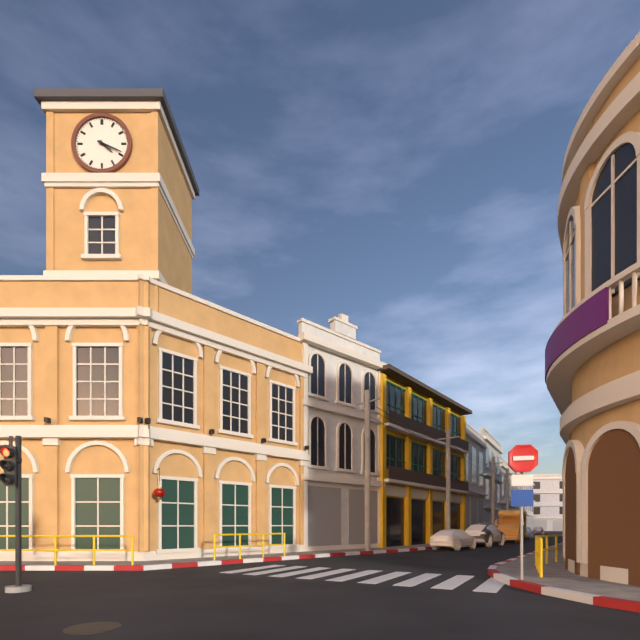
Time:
h=4 m=19
